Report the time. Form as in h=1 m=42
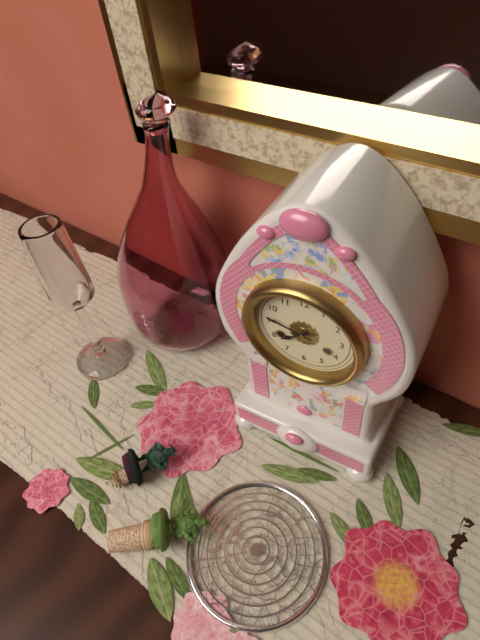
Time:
h=7 m=47
